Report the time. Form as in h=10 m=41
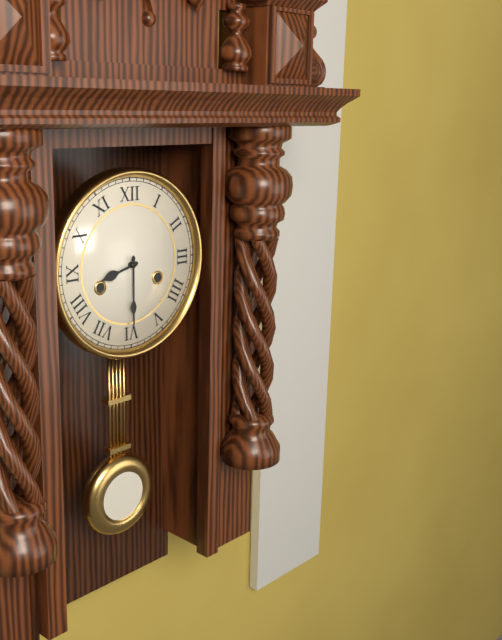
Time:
h=8 m=30
